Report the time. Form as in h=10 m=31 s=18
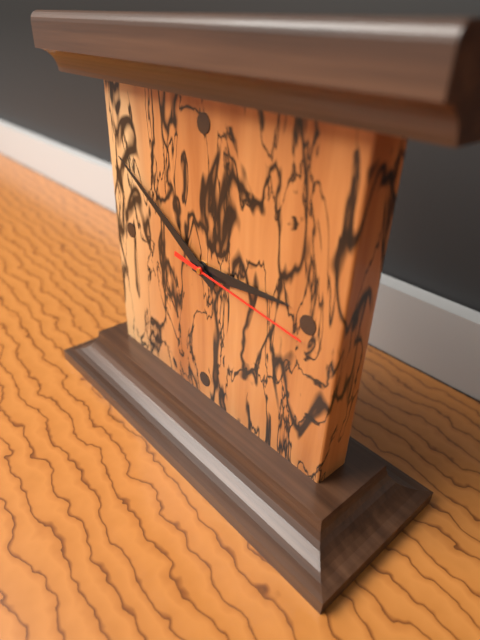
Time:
h=2 m=50 s=16
